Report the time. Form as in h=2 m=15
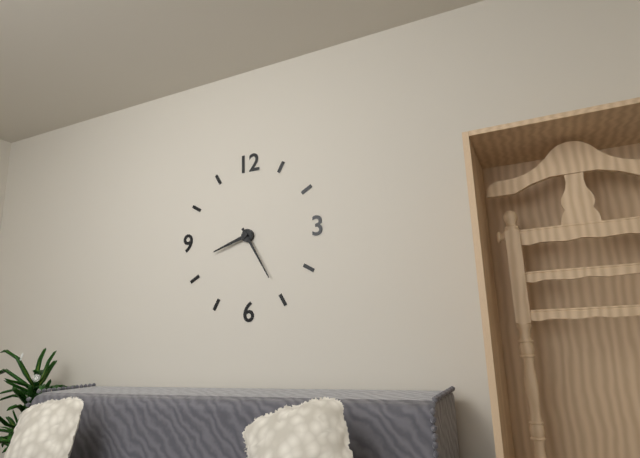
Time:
h=8 m=25
